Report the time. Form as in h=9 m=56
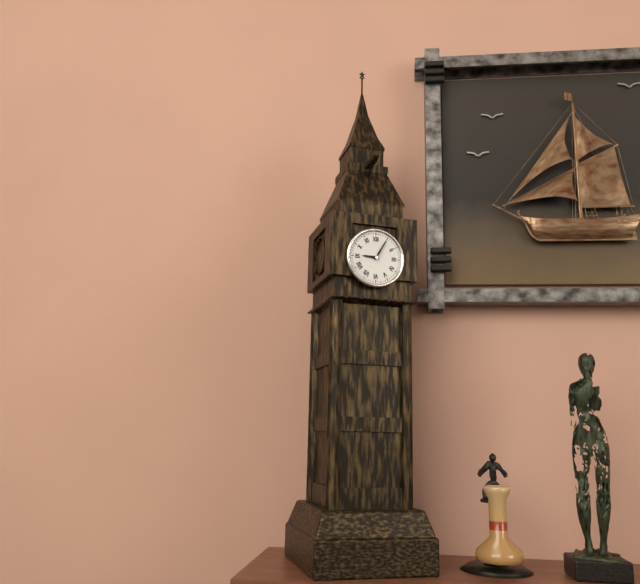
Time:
h=9 m=5
